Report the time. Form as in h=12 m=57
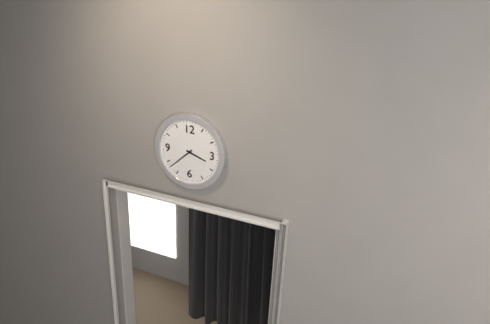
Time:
h=3 m=38
